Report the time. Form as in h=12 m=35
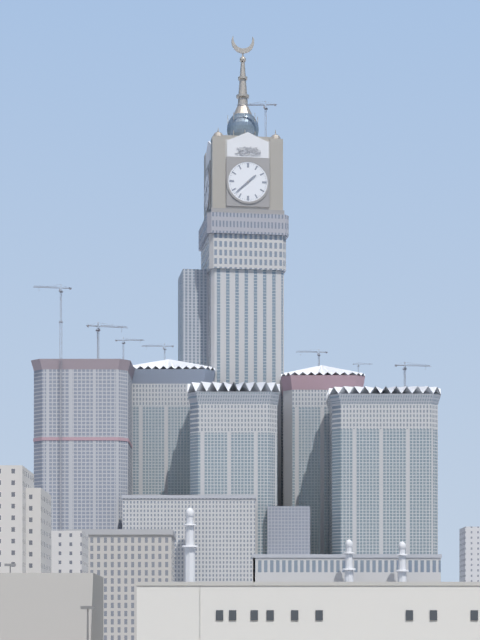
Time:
h=1 m=38
